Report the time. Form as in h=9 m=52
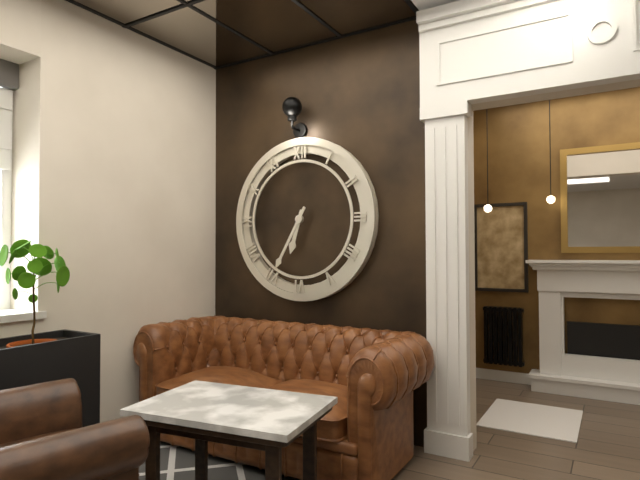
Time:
h=6 m=35
